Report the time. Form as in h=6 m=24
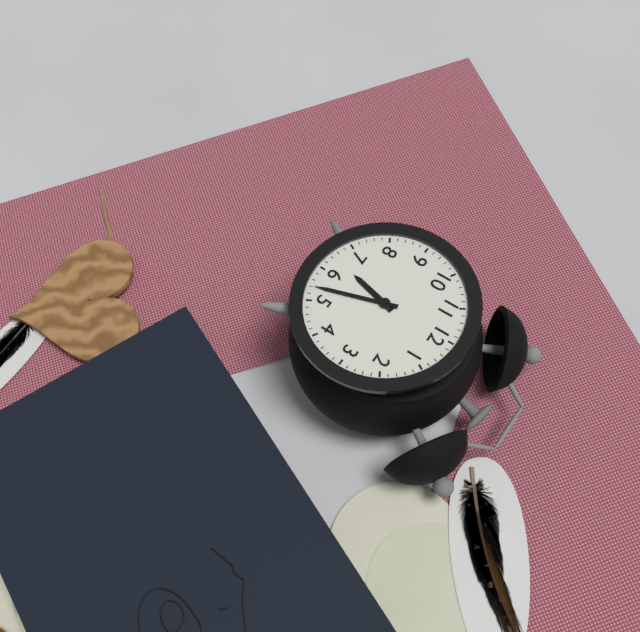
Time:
h=6 m=27
